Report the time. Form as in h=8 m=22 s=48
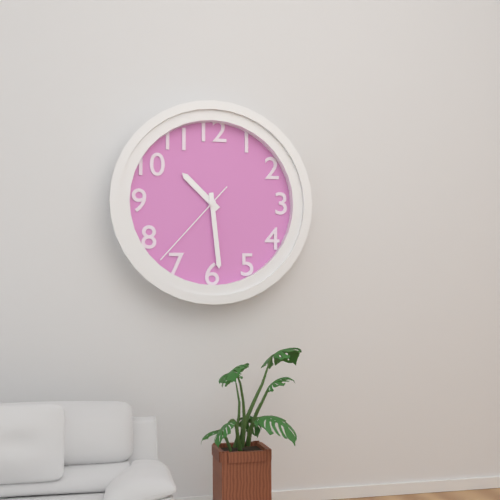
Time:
h=10 m=29 s=37
